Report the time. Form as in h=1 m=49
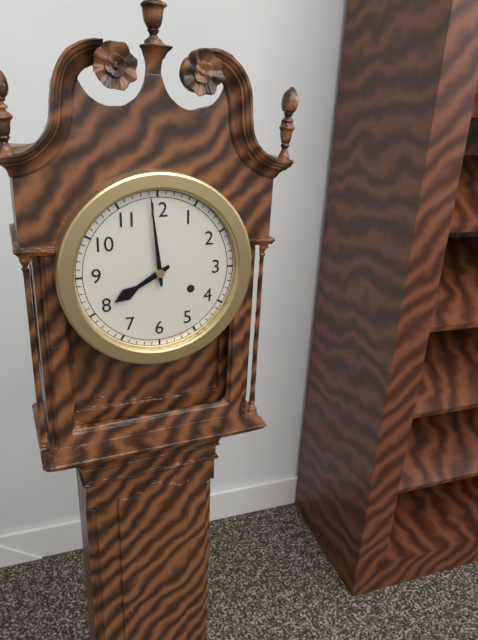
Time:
h=7 m=59
